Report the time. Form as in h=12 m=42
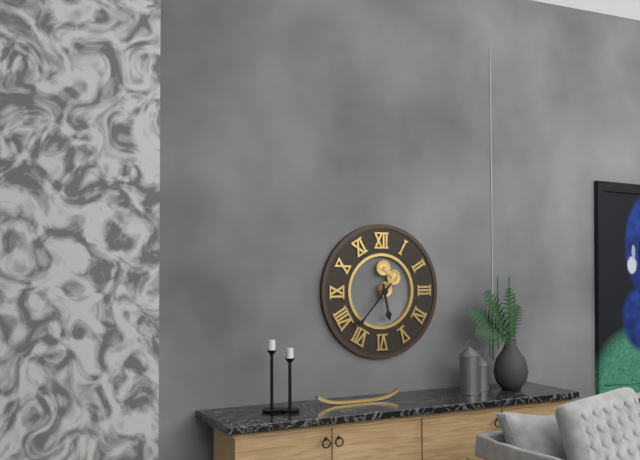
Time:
h=5 m=37
